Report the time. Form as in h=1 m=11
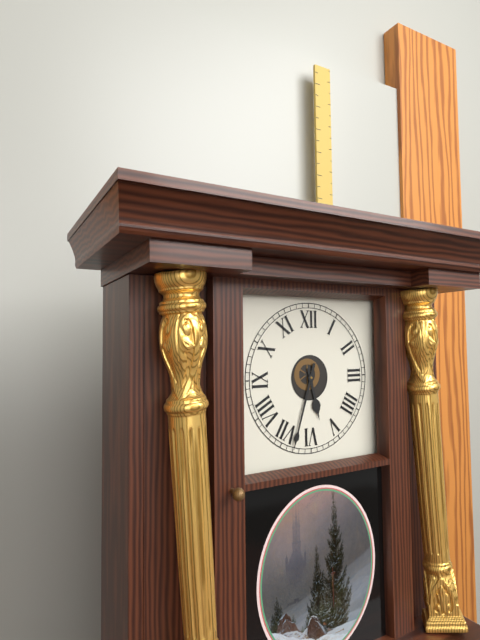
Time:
h=5 m=33
